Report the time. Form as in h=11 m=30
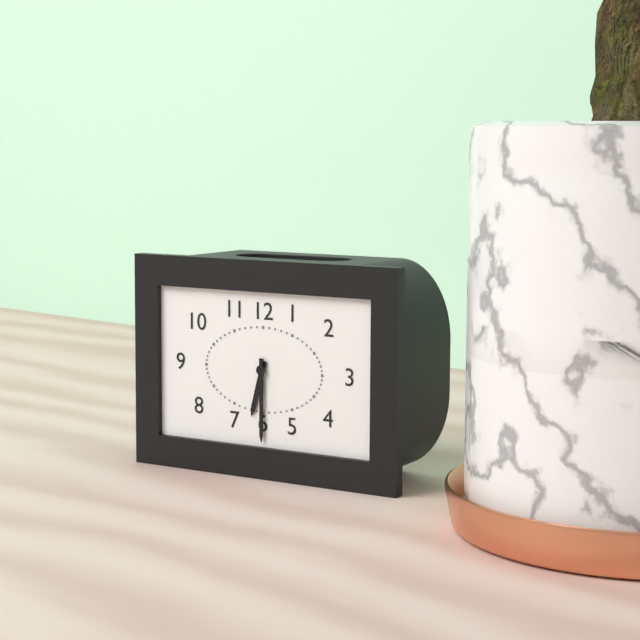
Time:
h=6 m=30
